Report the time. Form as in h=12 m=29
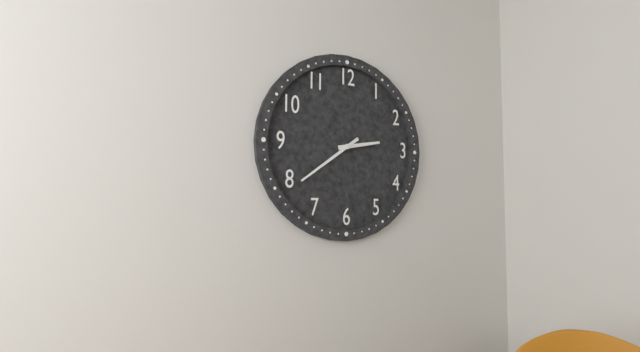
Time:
h=2 m=39
